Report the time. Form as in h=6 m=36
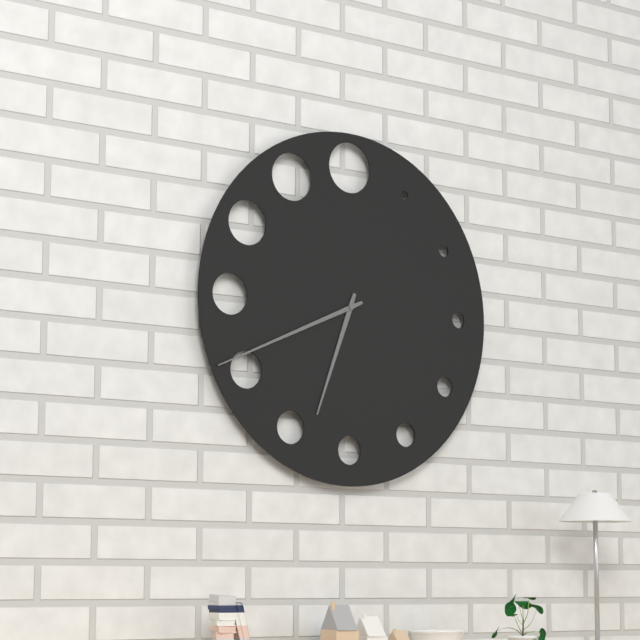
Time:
h=6 m=41
